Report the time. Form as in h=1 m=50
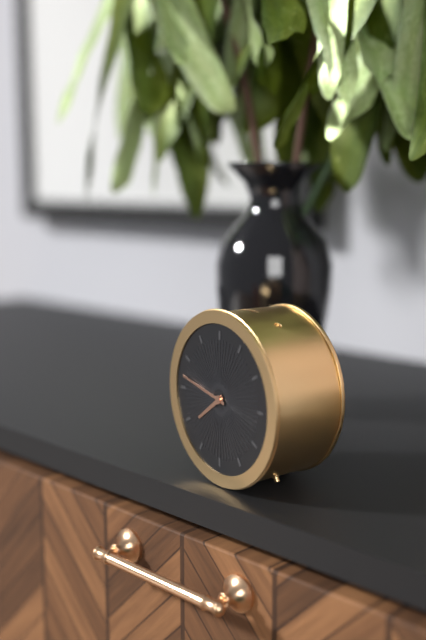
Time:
h=7 m=47
